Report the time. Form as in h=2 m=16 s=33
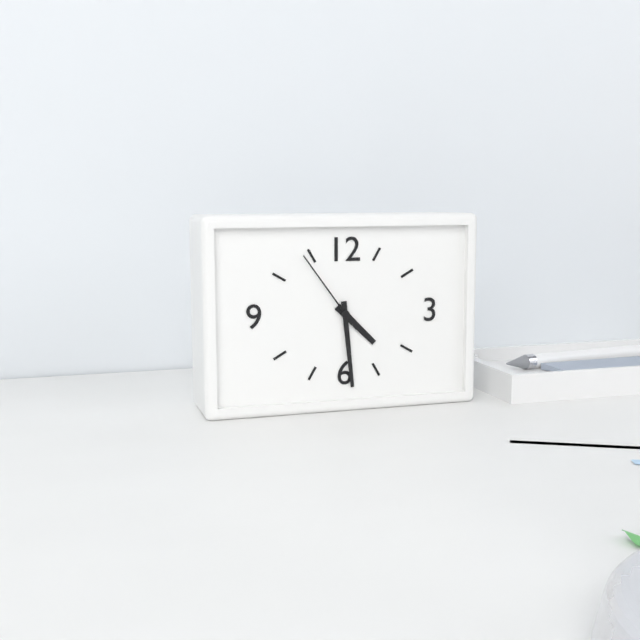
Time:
h=4 m=29 s=54
